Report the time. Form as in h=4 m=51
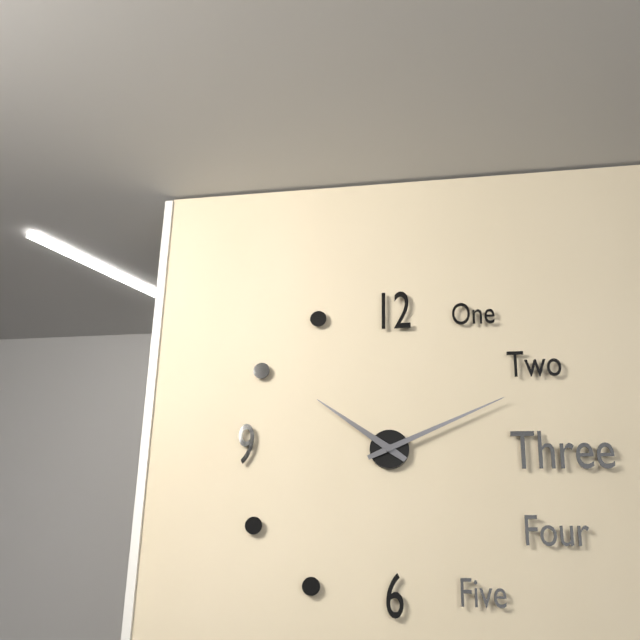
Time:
h=10 m=11
